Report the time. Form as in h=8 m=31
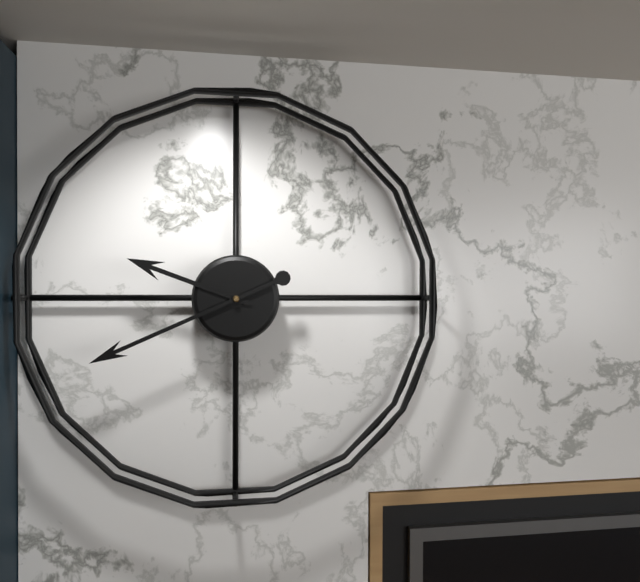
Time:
h=9 m=41
